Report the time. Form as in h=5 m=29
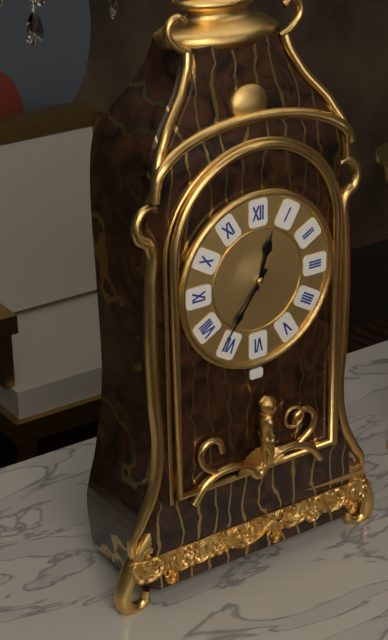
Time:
h=12 m=36
